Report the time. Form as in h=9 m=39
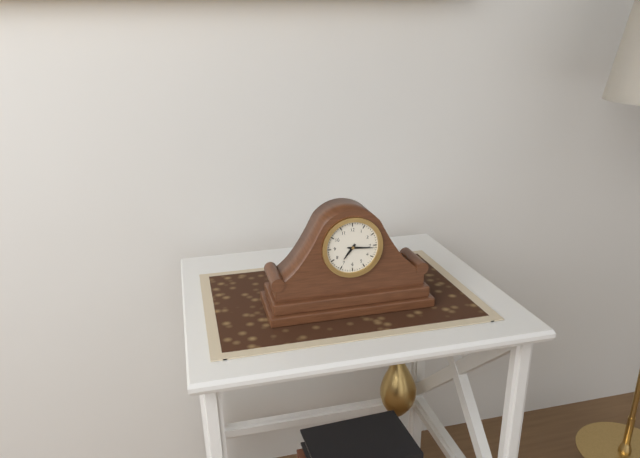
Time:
h=7 m=16
